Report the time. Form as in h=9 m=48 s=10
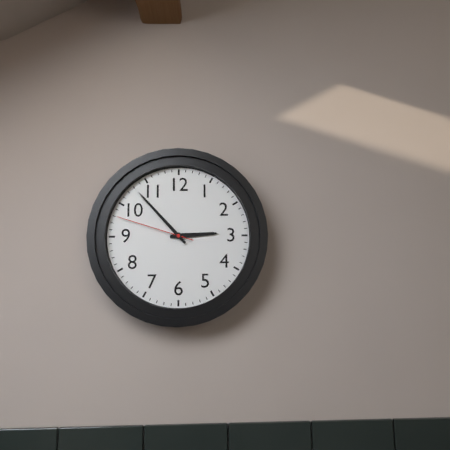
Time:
h=2 m=53 s=48
